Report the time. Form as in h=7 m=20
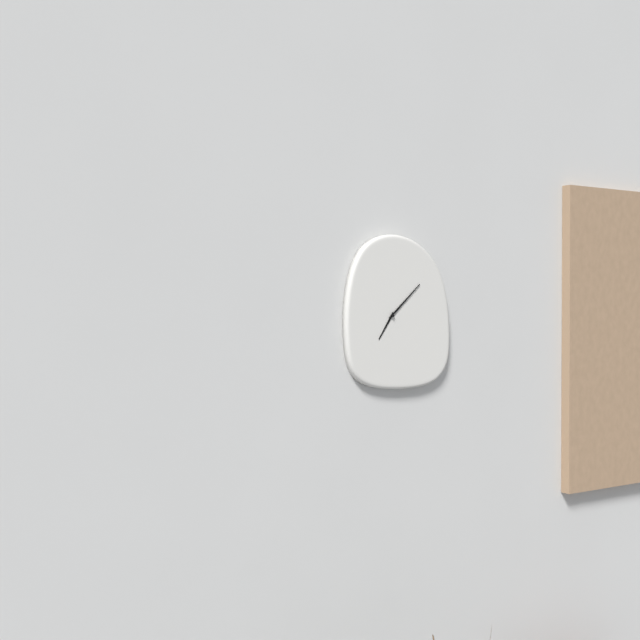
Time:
h=7 m=8
